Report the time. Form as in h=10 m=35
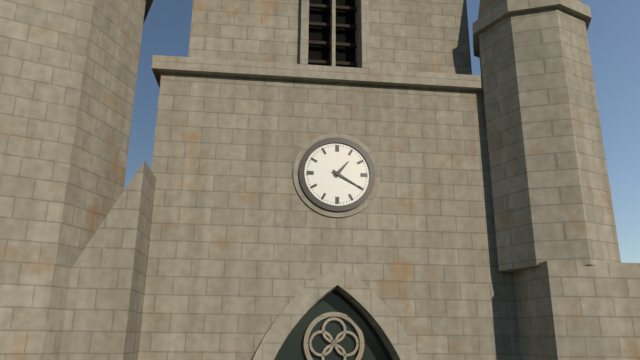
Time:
h=1 m=20
